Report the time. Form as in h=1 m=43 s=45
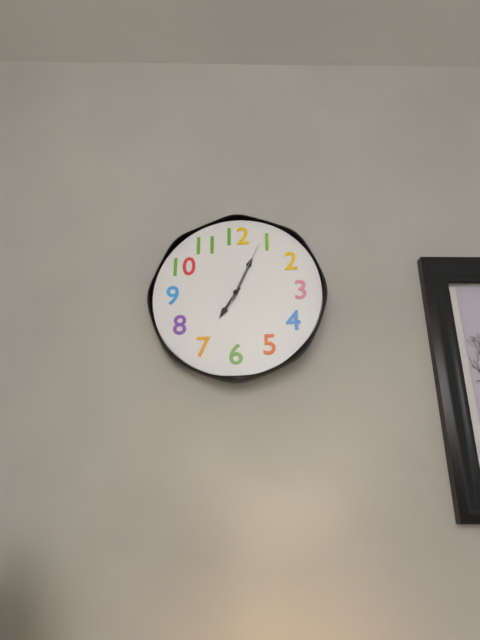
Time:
h=7 m=4 s=4
